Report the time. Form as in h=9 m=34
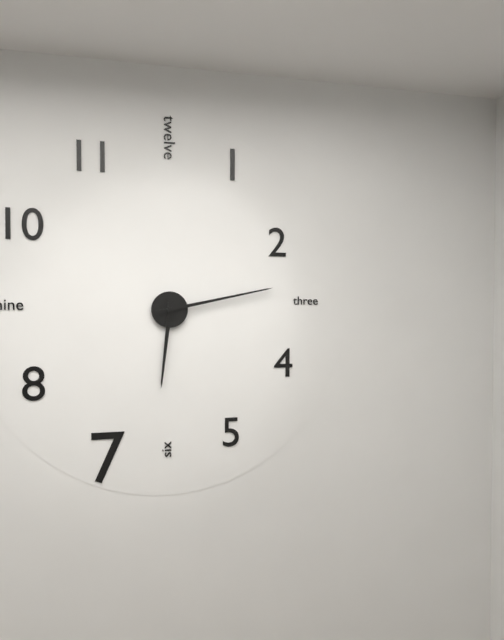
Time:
h=6 m=13
